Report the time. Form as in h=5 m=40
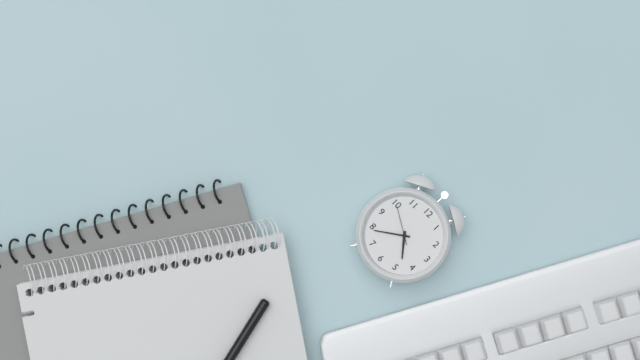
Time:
h=4 m=39
